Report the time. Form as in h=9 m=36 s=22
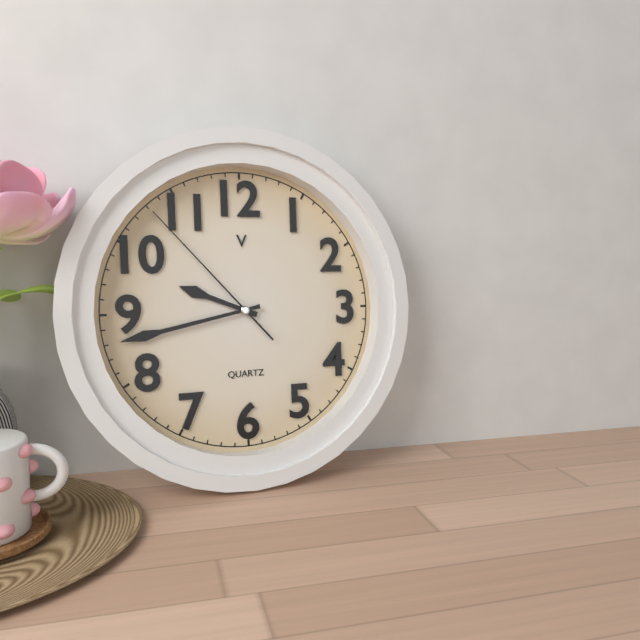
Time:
h=9 m=43 s=53
